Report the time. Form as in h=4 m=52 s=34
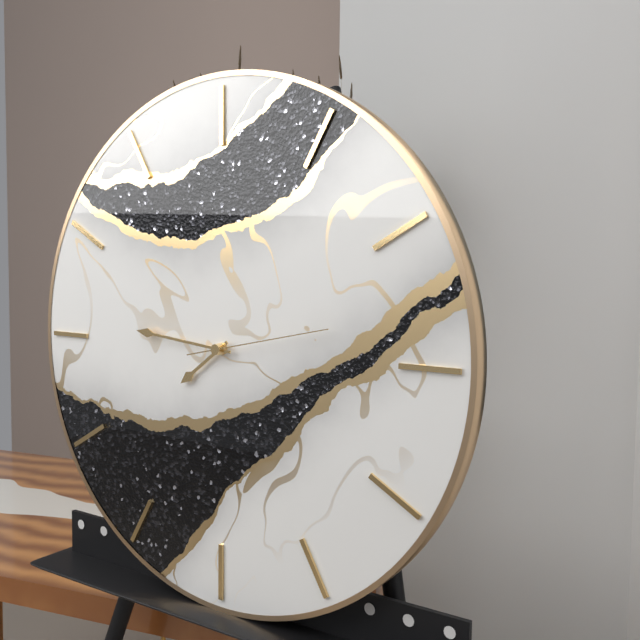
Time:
h=7 m=46 s=13
